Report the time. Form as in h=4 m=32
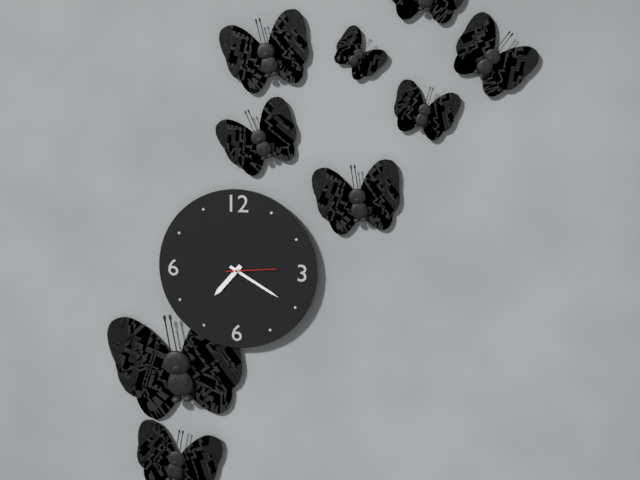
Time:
h=7 m=20
